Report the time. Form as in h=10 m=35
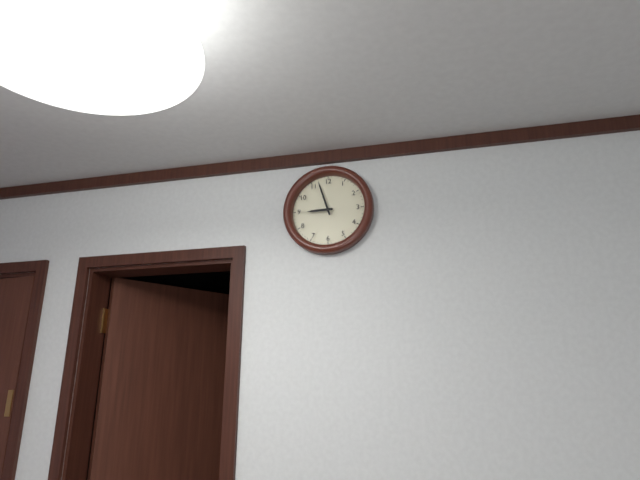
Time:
h=8 m=57
